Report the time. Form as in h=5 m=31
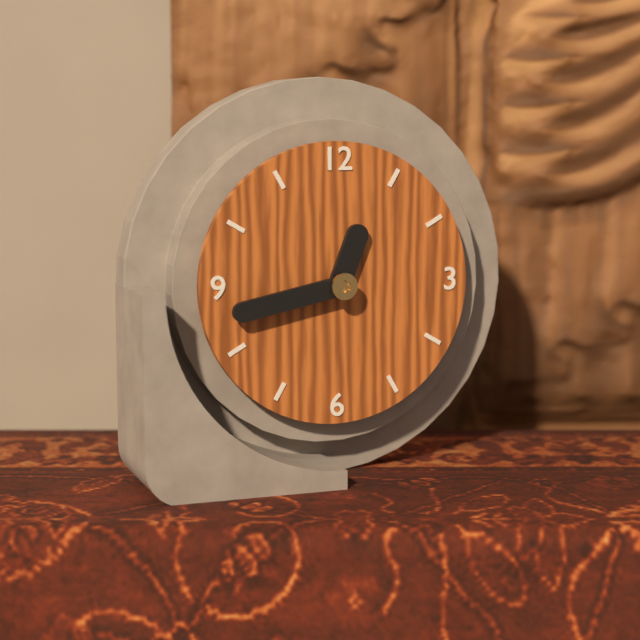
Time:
h=12 m=43
